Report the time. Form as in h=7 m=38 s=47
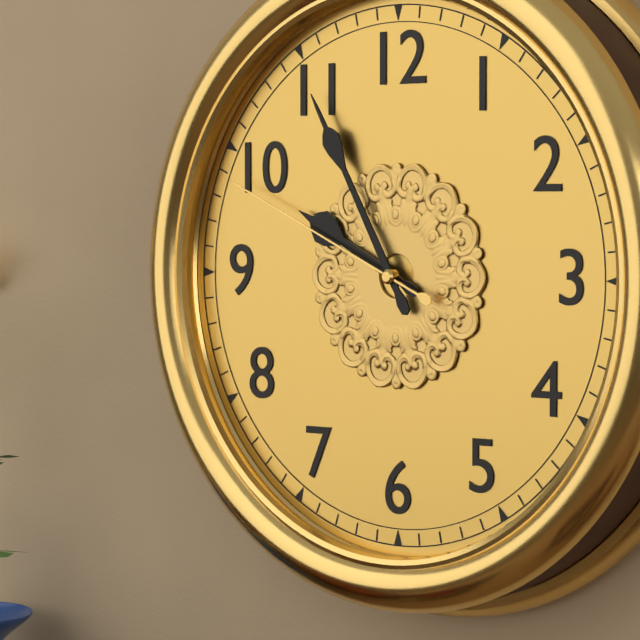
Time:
h=9 m=55 s=49
